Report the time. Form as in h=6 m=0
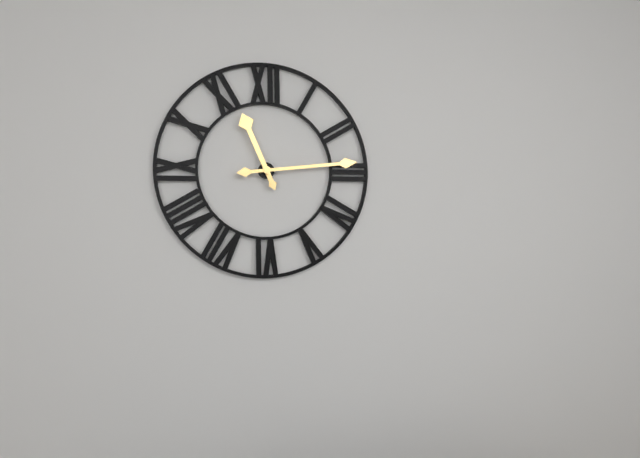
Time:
h=11 m=14
